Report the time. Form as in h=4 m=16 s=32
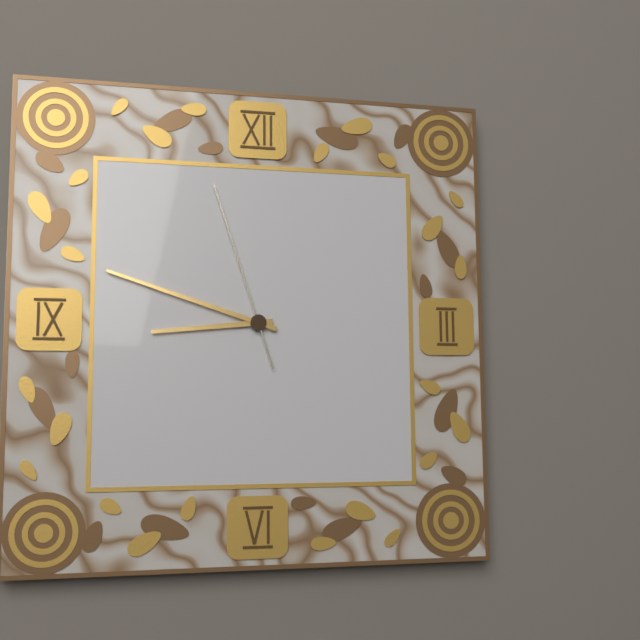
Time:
h=8 m=48 s=57
